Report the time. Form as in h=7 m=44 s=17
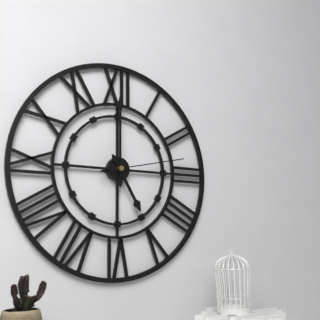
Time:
h=5 m=0 s=13
